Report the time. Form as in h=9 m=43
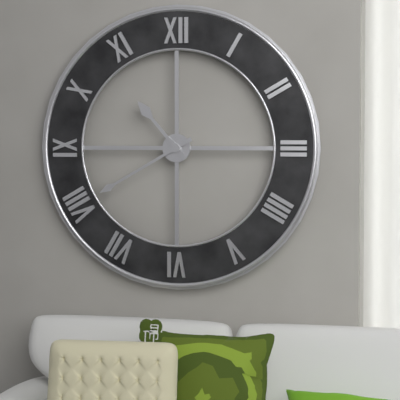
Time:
h=10 m=40
